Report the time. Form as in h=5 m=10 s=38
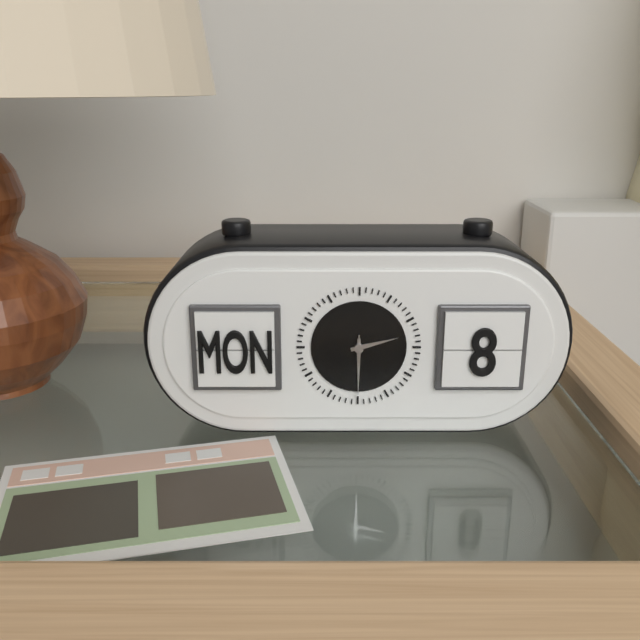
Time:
h=2 m=30 s=30
